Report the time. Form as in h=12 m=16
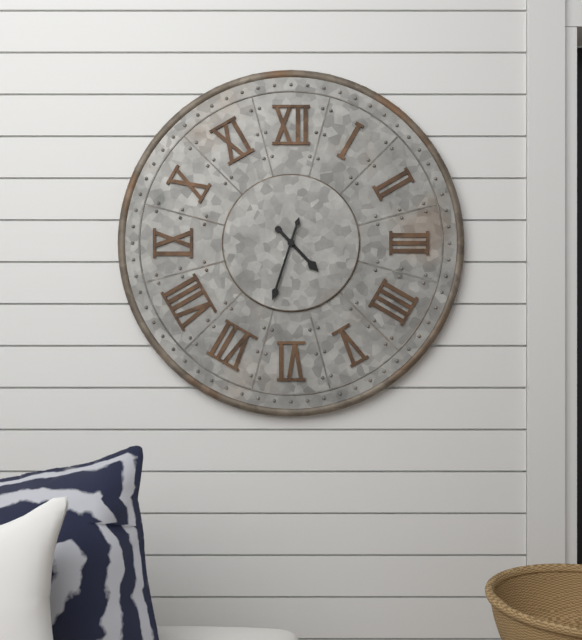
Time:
h=4 m=33
